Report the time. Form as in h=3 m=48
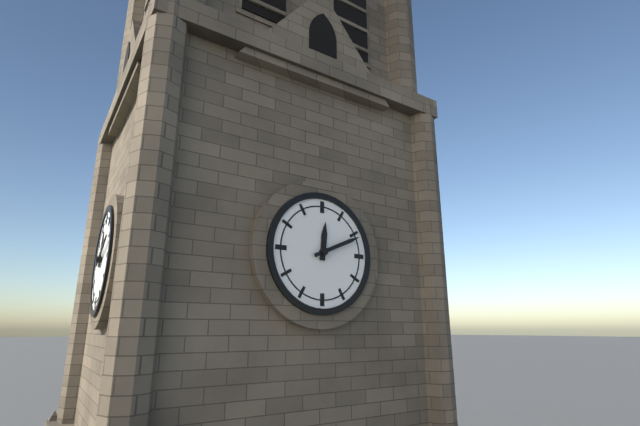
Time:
h=12 m=11
